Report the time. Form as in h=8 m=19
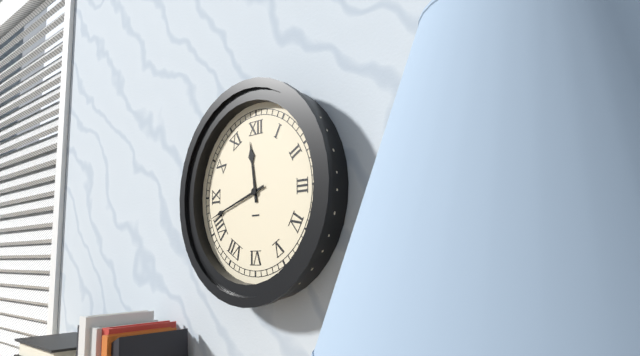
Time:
h=11 m=42
